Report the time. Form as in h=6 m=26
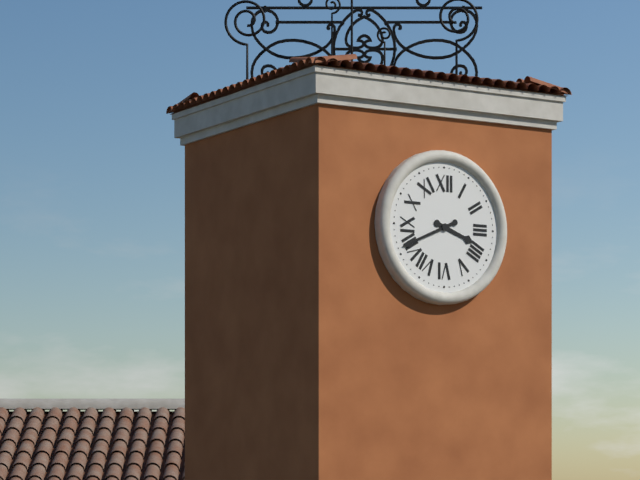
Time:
h=3 m=41
